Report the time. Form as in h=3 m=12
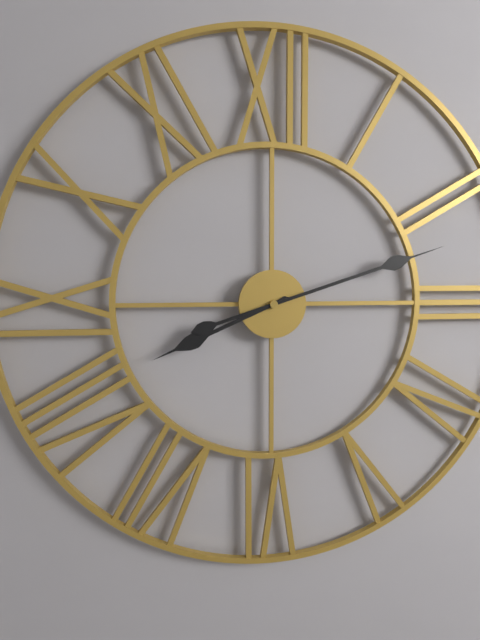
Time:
h=8 m=12
